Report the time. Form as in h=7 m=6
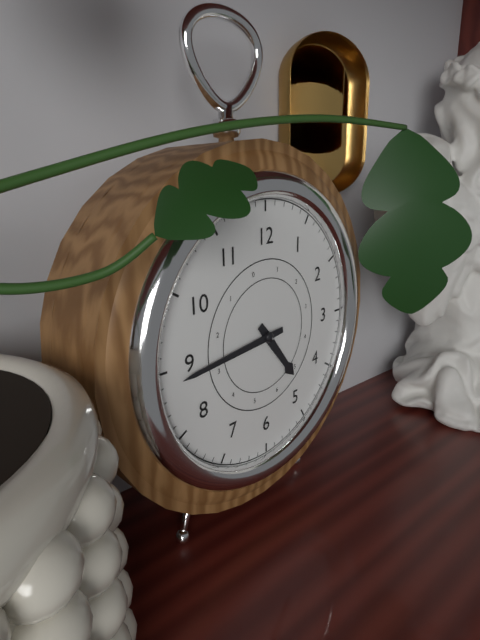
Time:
h=4 m=44
